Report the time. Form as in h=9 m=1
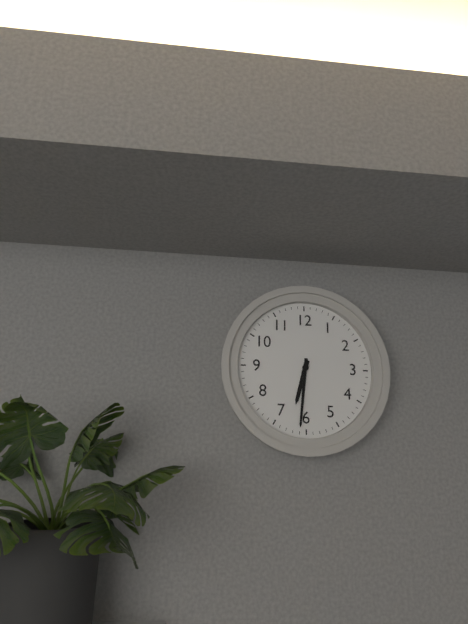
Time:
h=6 m=31
